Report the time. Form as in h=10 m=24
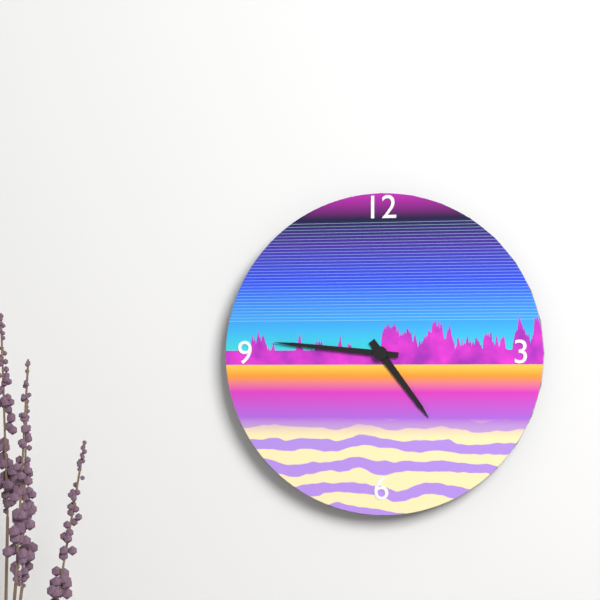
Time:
h=4 m=46
